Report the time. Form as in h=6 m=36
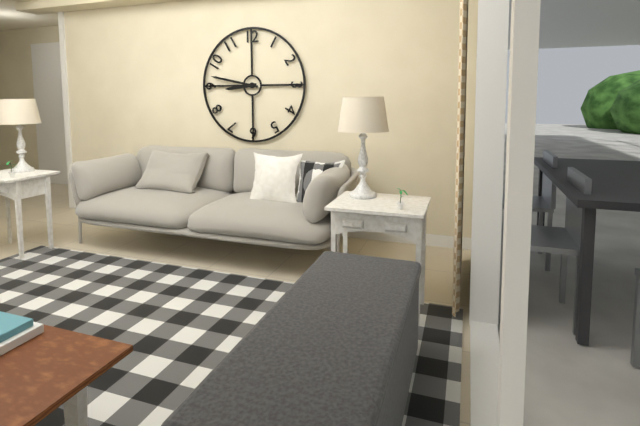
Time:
h=8 m=47
